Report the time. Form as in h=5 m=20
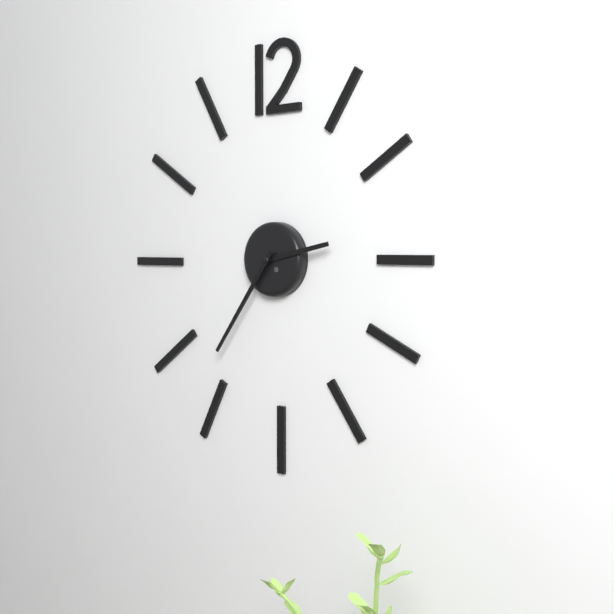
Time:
h=2 m=36
